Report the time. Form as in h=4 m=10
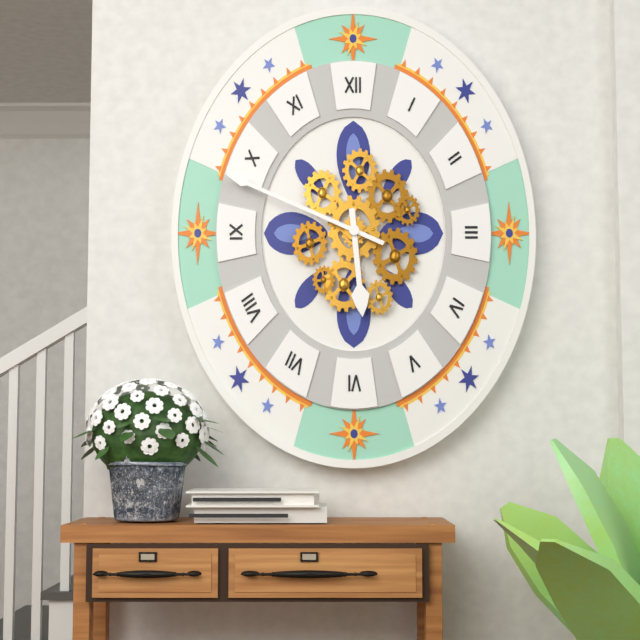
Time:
h=5 m=49
